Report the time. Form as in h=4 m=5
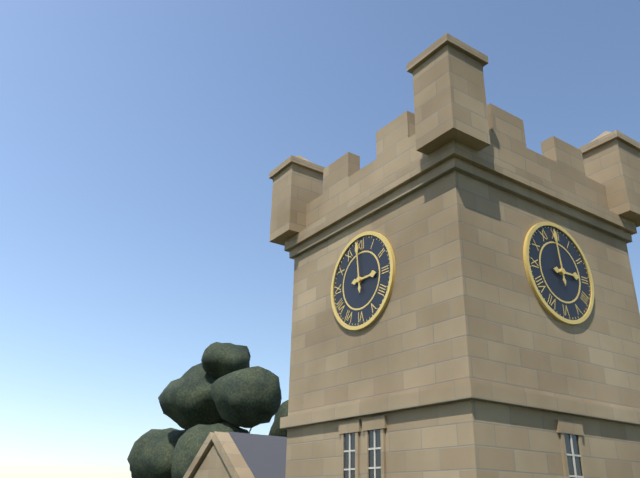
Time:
h=2 m=59
